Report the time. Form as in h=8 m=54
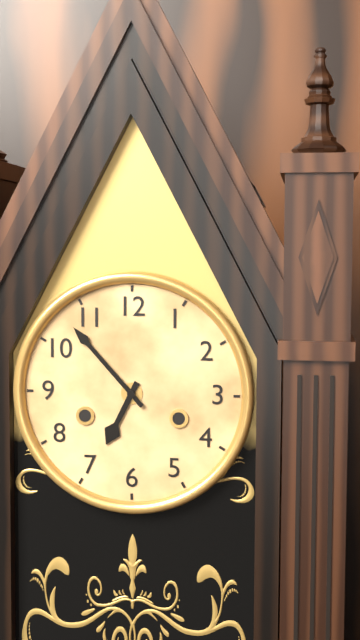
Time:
h=6 m=53
